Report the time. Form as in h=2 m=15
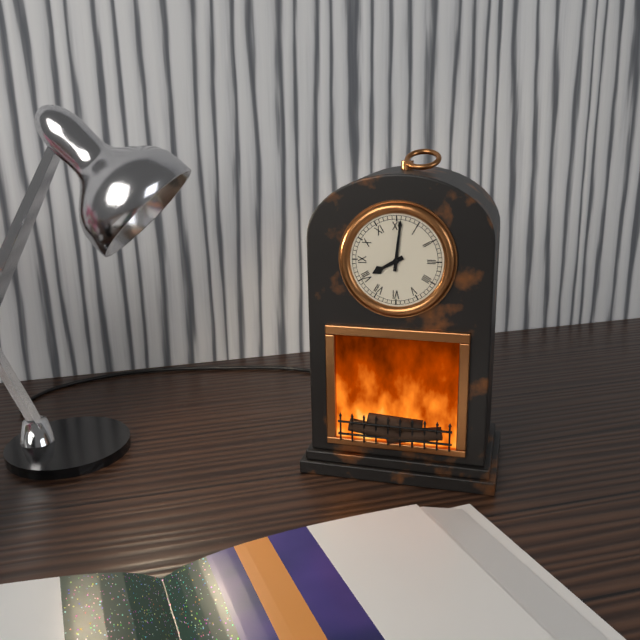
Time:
h=8 m=1
